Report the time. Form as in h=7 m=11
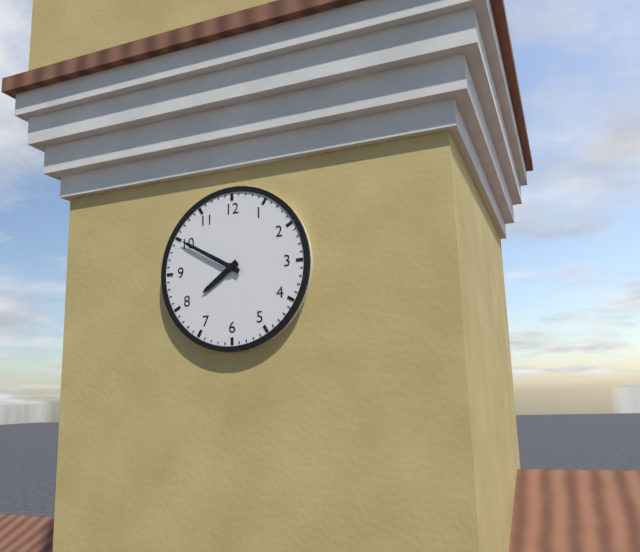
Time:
h=7 m=50
